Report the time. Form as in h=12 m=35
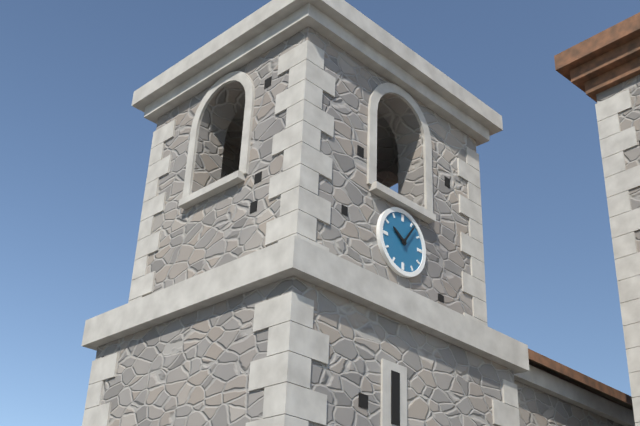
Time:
h=10 m=6
